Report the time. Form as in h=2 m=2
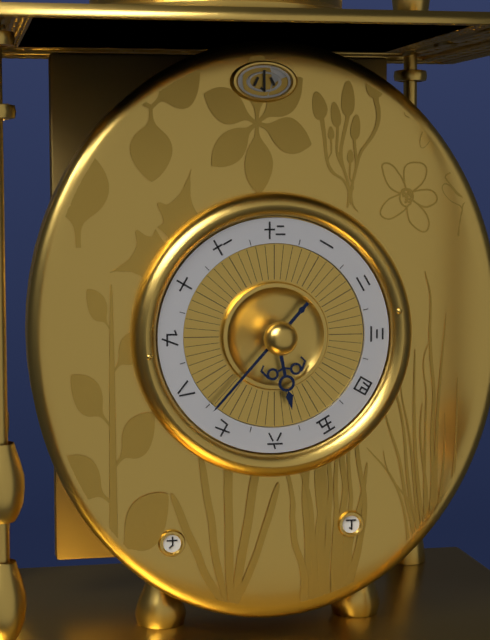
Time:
h=5 m=37
